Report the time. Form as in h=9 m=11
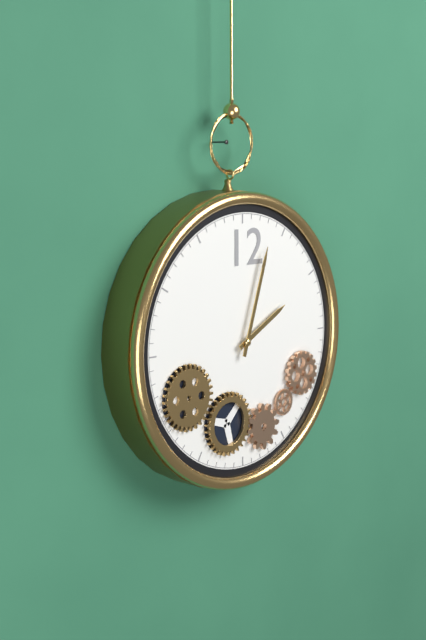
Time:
h=2 m=3
